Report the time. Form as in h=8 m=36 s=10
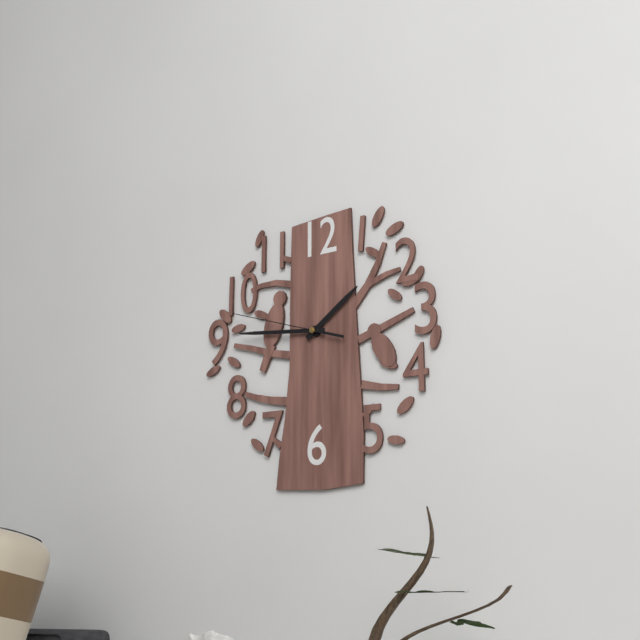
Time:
h=1 m=46 s=48
